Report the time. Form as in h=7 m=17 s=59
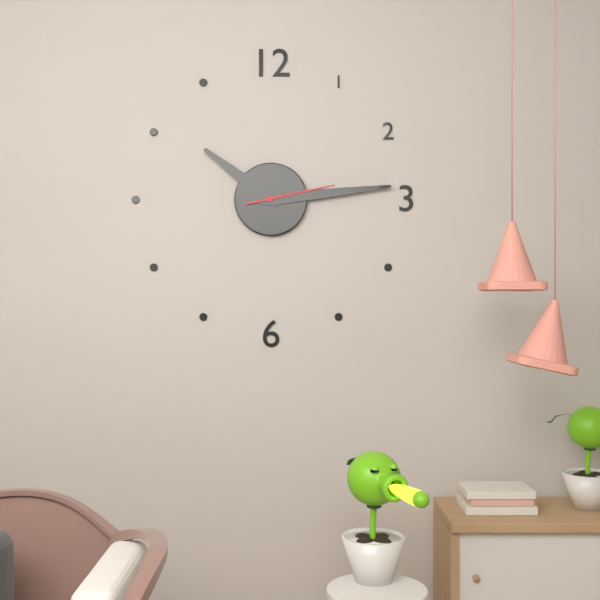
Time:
h=10 m=14 s=13
